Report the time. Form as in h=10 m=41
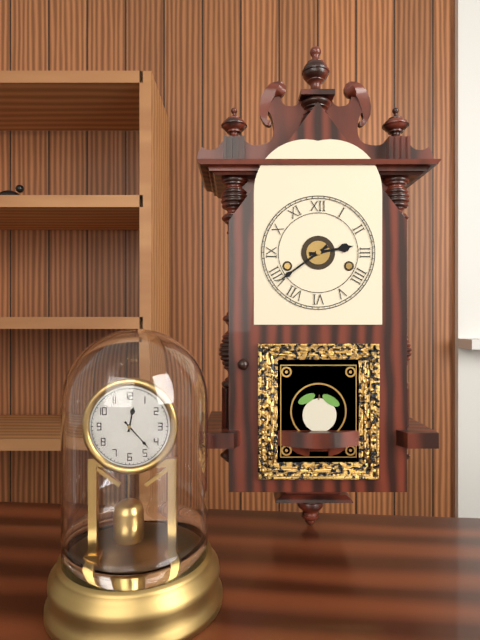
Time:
h=2 m=39
